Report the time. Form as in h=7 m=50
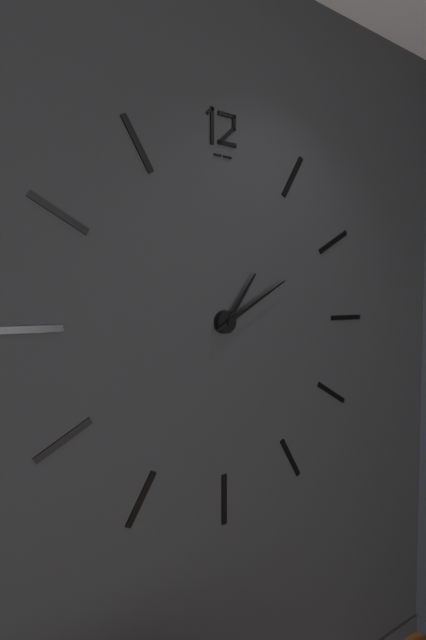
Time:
h=1 m=10
